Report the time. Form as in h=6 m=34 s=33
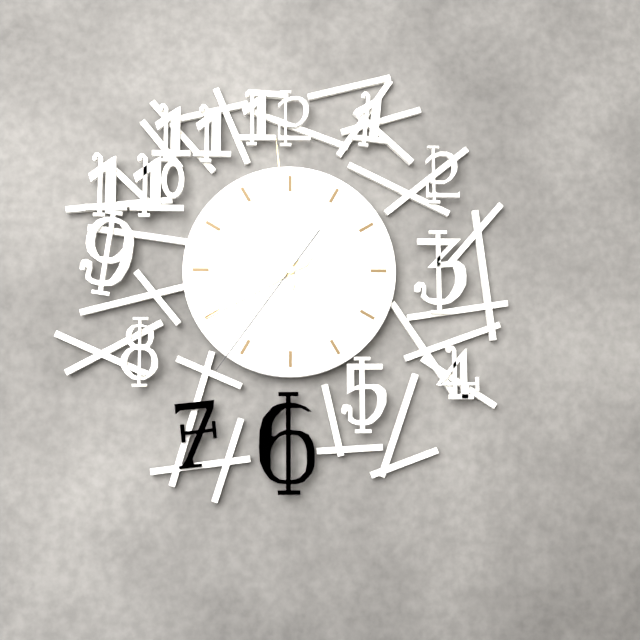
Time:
h=7 m=59 s=36
